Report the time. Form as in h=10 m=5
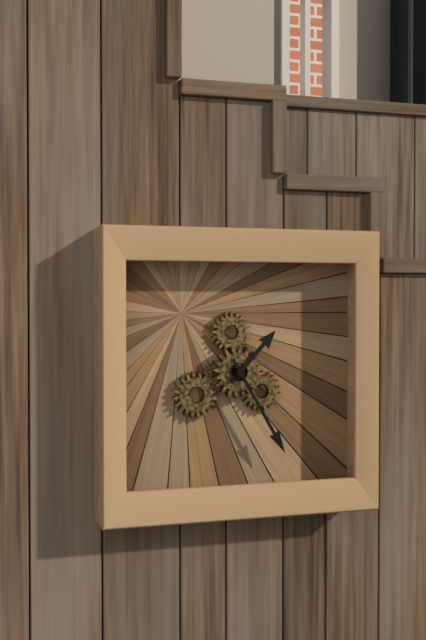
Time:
h=1 m=25
